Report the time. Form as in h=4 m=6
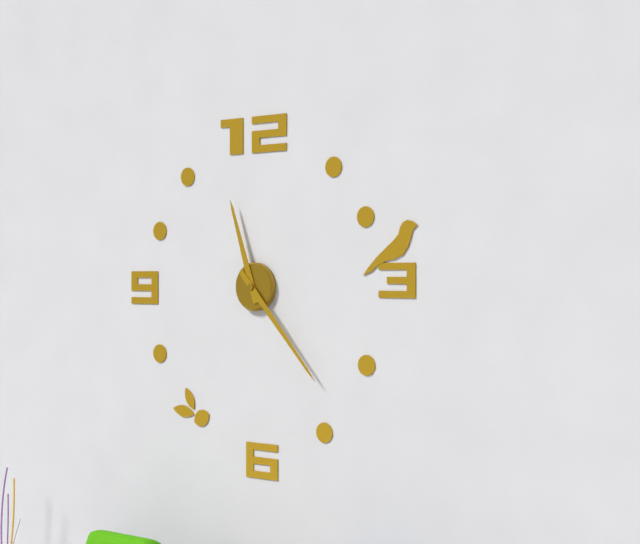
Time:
h=11 m=23
